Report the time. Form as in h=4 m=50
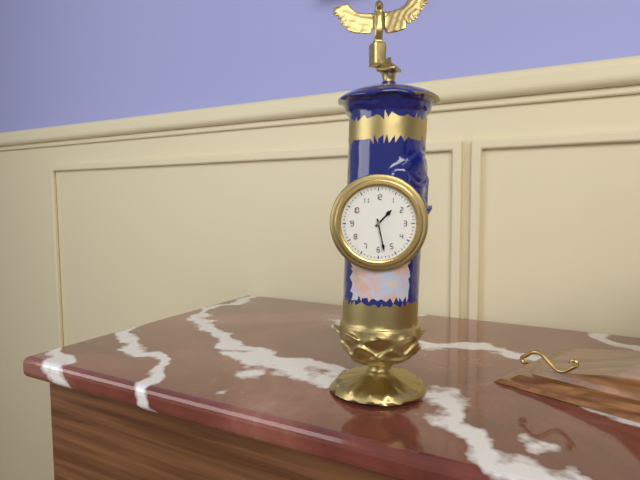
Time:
h=1 m=28
